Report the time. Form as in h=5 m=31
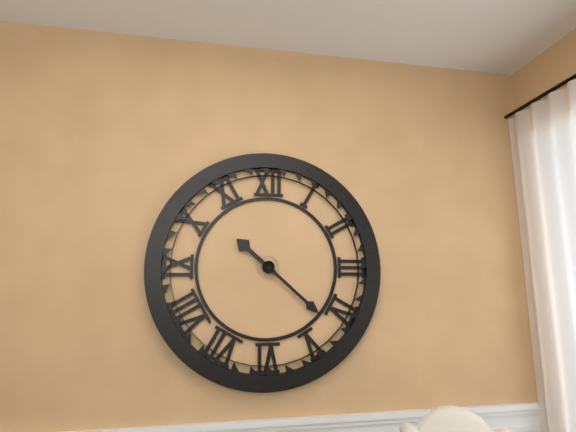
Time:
h=10 m=22
